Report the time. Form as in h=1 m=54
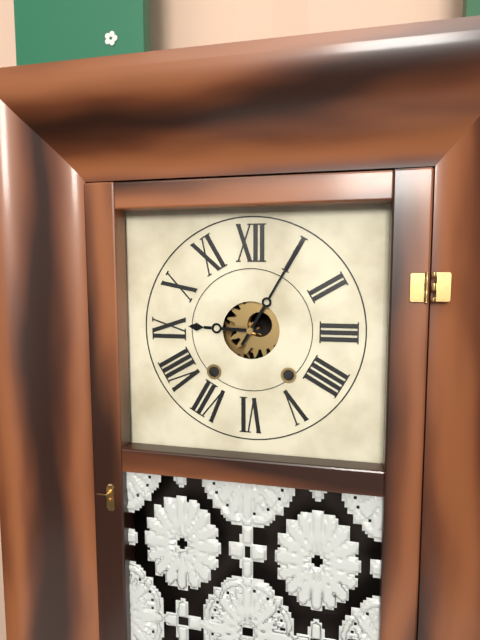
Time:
h=9 m=5
